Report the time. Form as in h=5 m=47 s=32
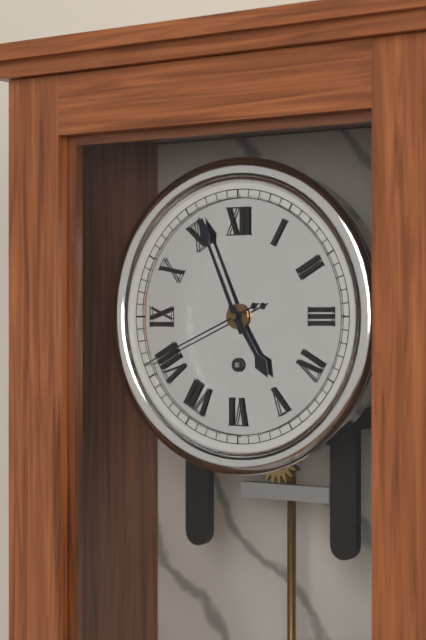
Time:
h=4 m=56 s=41
